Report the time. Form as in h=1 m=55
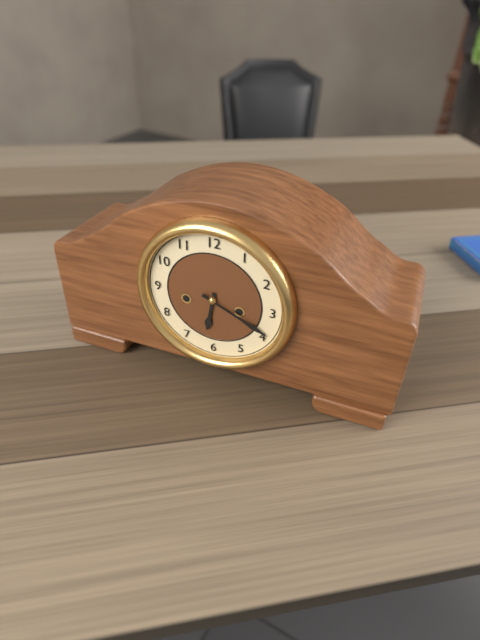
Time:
h=6 m=19
